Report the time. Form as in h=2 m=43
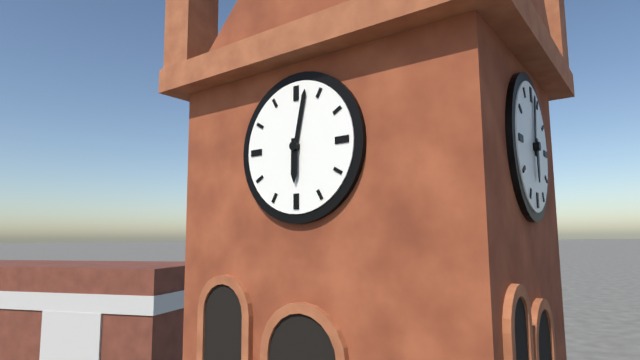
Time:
h=6 m=2
